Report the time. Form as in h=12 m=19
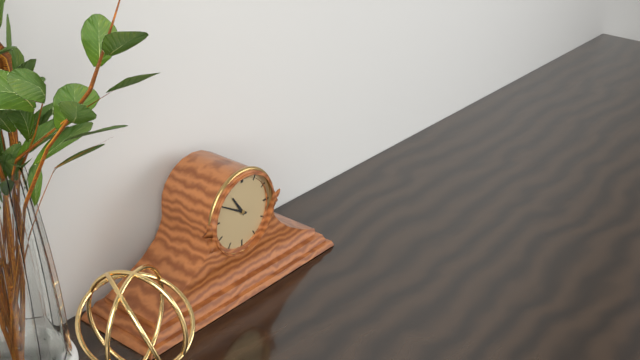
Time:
h=10 m=50
